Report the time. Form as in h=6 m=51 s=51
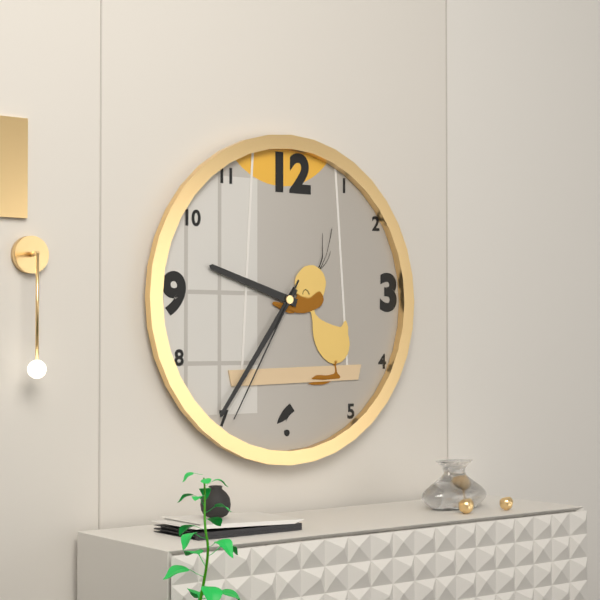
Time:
h=9 m=36 s=35
